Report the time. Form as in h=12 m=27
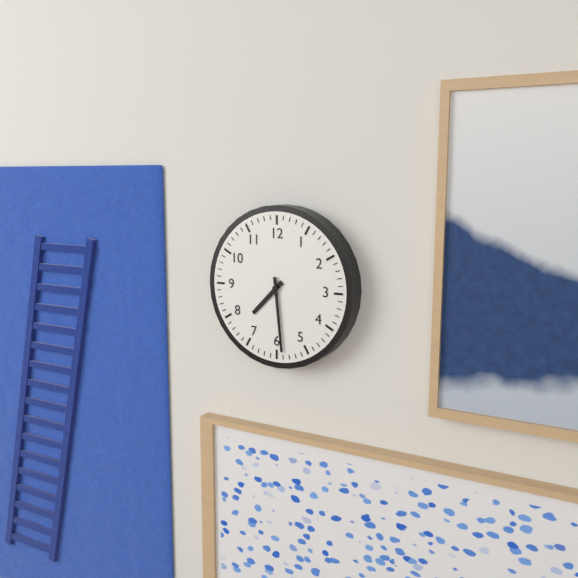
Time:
h=7 m=29
